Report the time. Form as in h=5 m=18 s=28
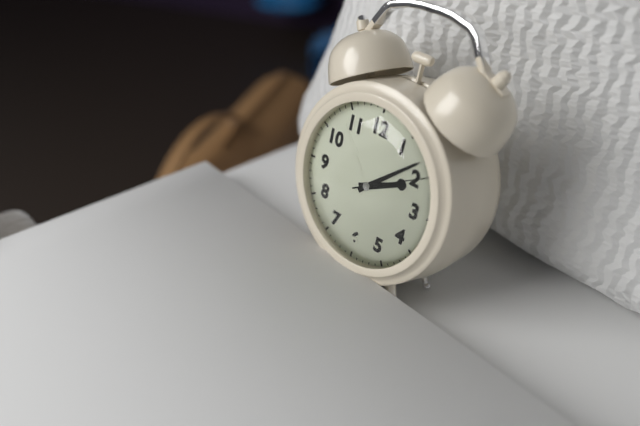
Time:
h=2 m=8 s=10
